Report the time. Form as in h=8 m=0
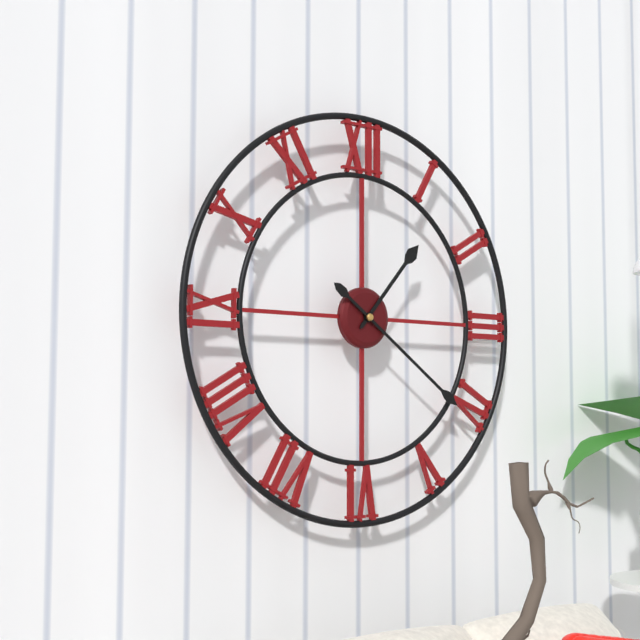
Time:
h=1 m=21
